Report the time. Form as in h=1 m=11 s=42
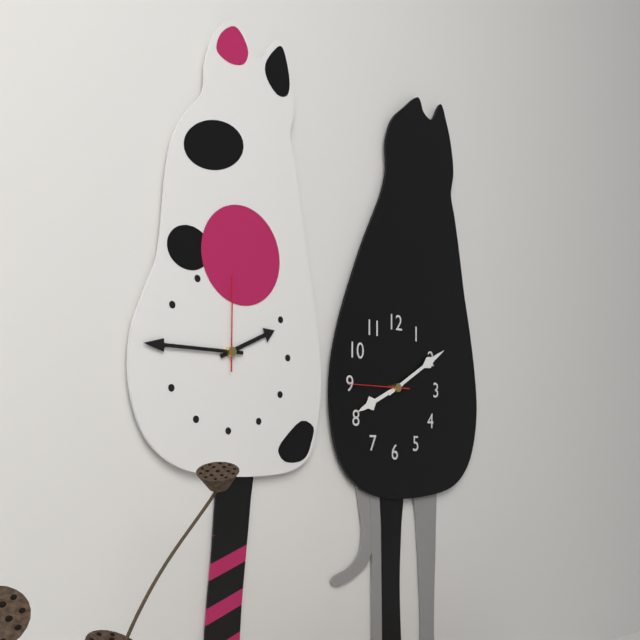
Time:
h=8 m=10 s=45
